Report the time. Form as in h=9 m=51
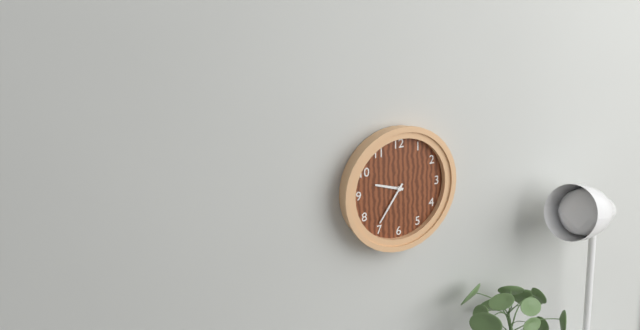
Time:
h=9 m=36
